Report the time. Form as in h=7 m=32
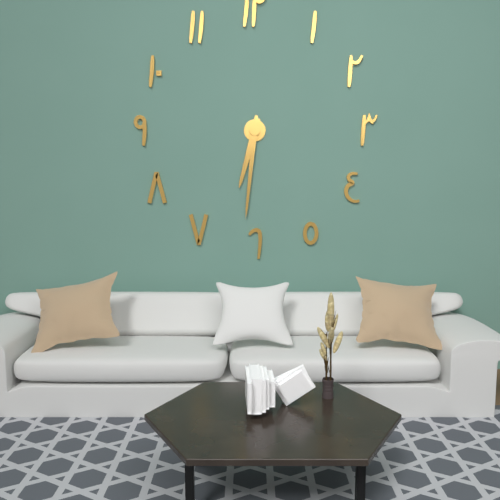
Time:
h=6 m=31
